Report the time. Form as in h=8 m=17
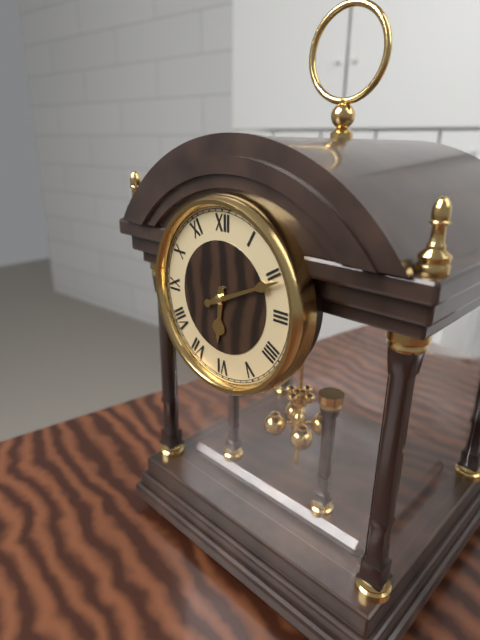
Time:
h=6 m=11
